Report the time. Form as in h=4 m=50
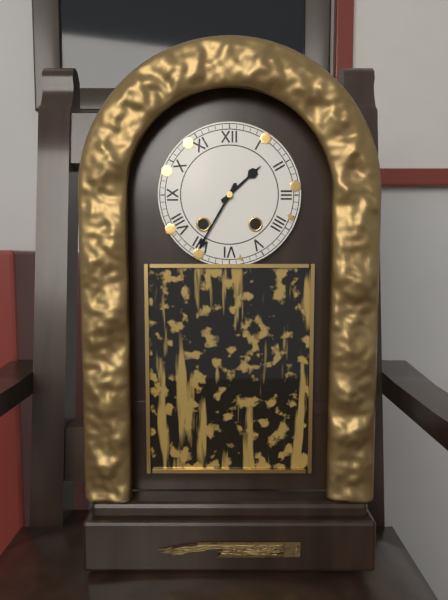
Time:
h=1 m=35
